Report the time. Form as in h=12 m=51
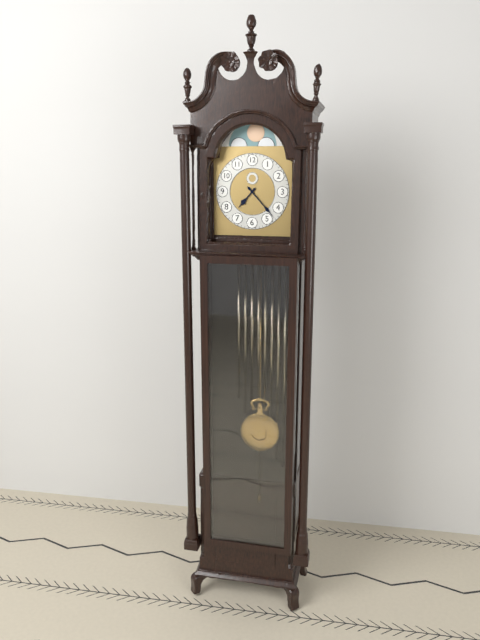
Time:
h=7 m=23
